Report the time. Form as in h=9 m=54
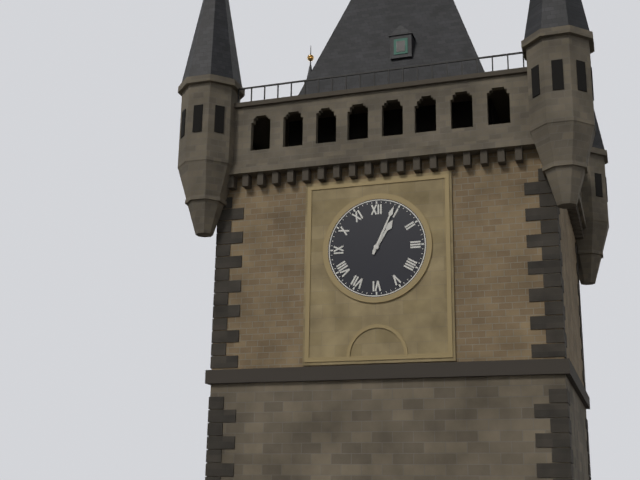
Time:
h=1 m=4
